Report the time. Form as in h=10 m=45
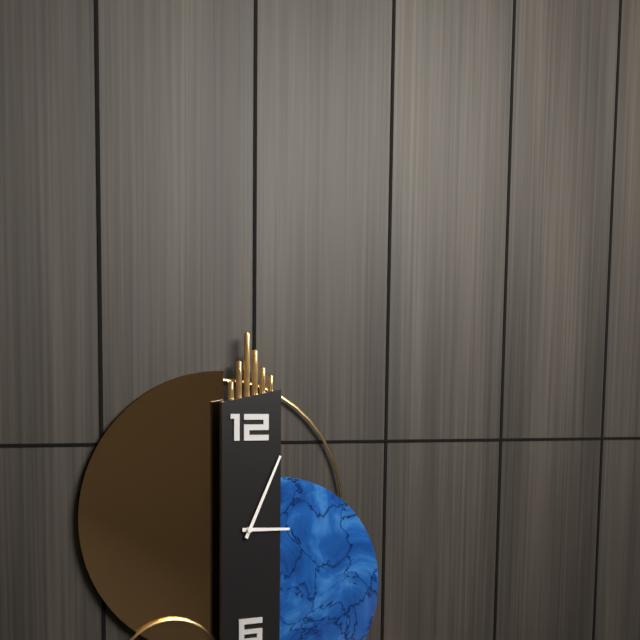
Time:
h=3 m=4
